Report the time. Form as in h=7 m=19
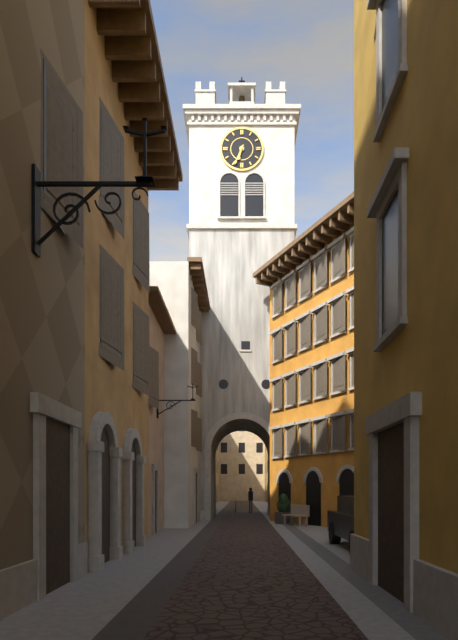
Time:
h=6 m=34
